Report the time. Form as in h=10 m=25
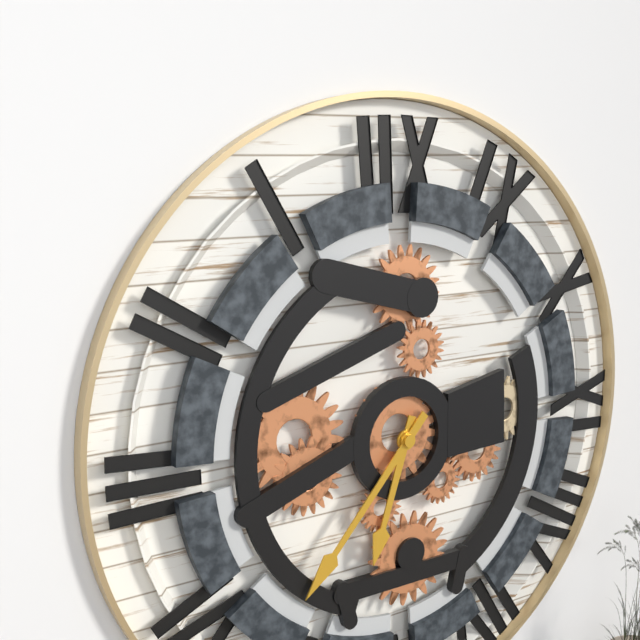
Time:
h=6 m=37
